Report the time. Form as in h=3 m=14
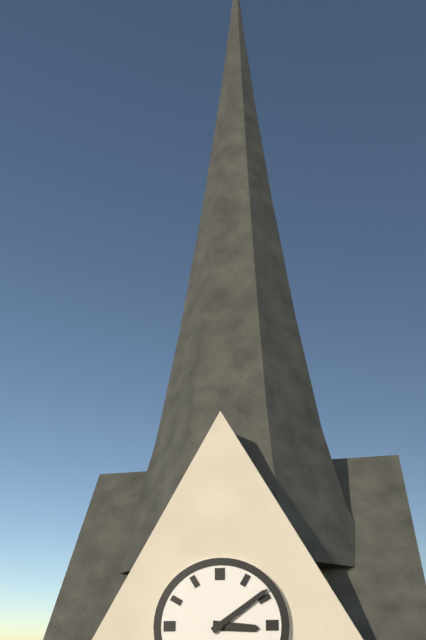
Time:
h=3 m=9
